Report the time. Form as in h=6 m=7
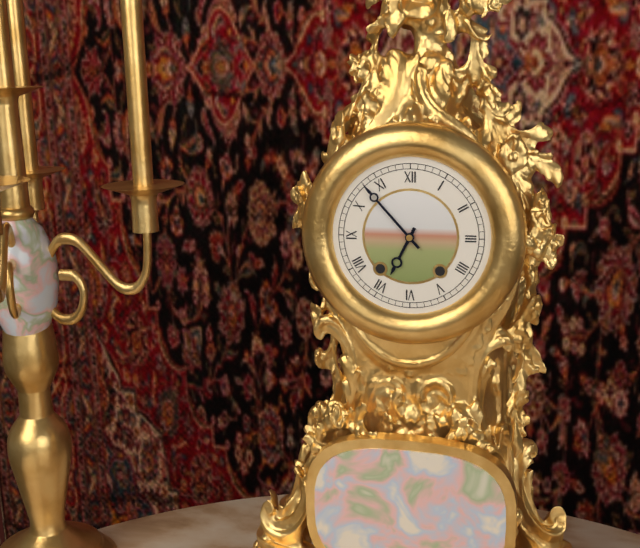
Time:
h=6 m=53
